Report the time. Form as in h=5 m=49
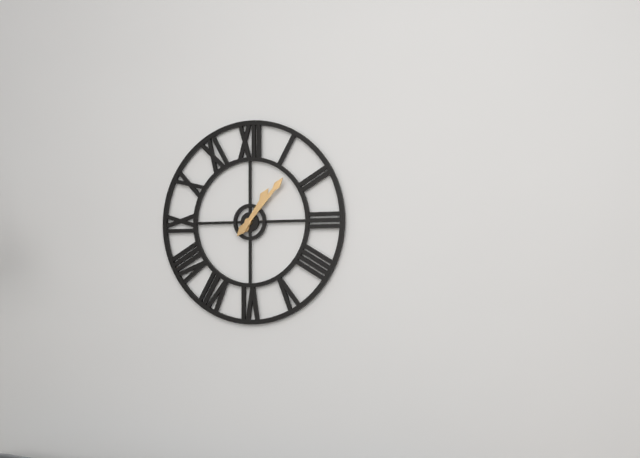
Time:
h=1 m=7
